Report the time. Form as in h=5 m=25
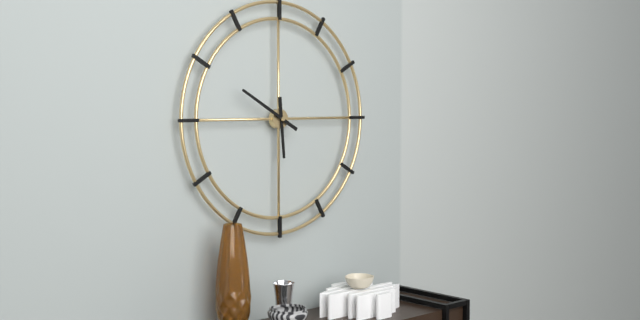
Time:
h=5 m=50
